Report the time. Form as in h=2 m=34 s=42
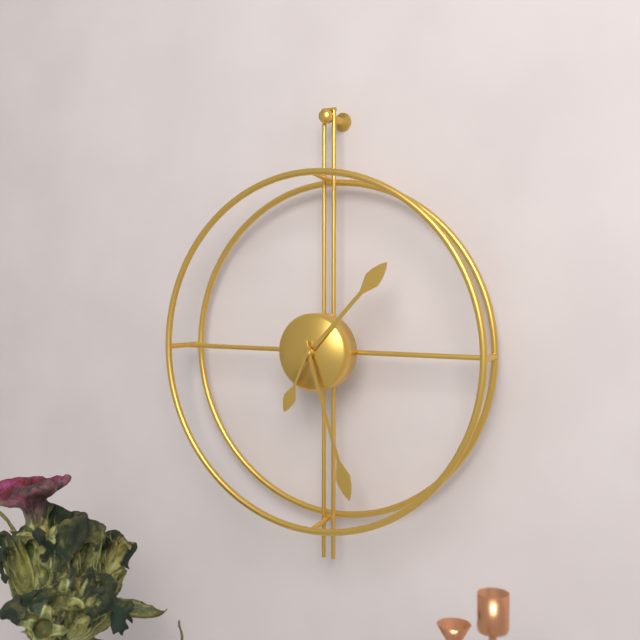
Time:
h=1 m=27 s=34
